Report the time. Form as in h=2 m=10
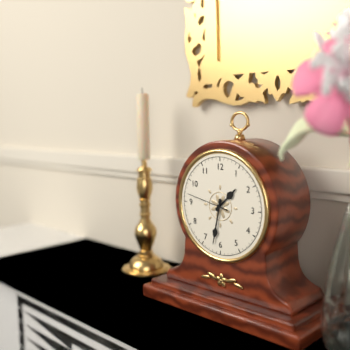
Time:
h=1 m=32
